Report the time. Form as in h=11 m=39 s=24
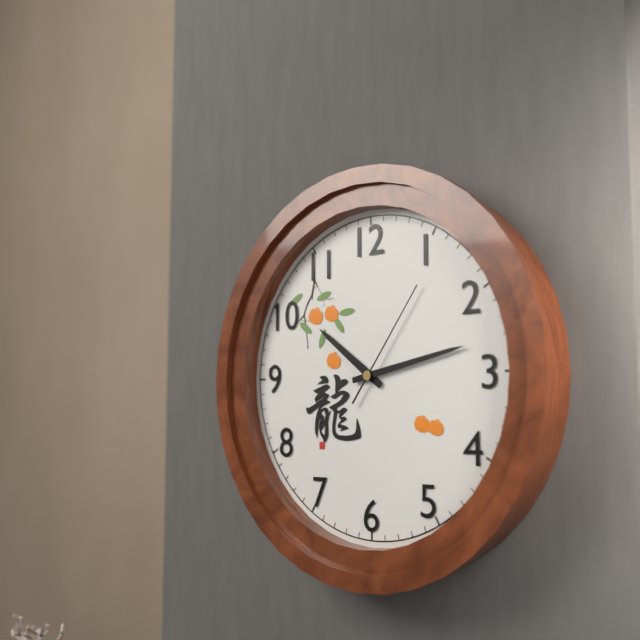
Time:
h=10 m=13 s=6
